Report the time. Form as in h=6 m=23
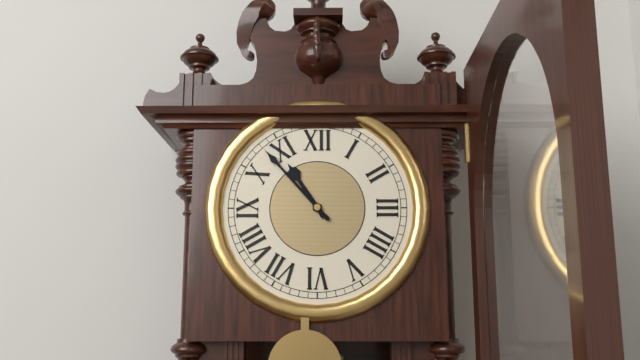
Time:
h=10 m=53
